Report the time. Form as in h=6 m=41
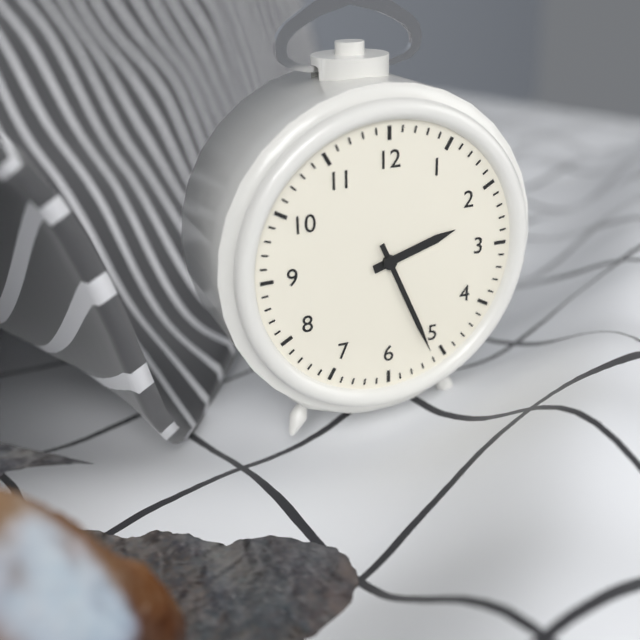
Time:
h=2 m=26
